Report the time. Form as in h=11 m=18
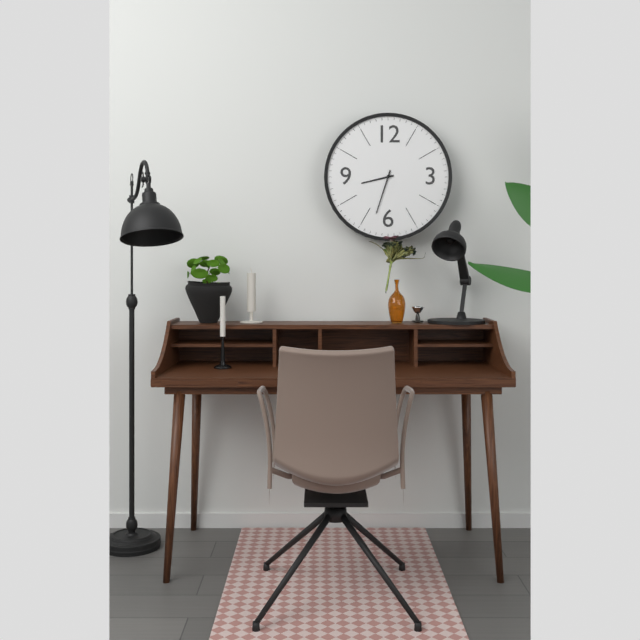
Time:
h=8 m=33
